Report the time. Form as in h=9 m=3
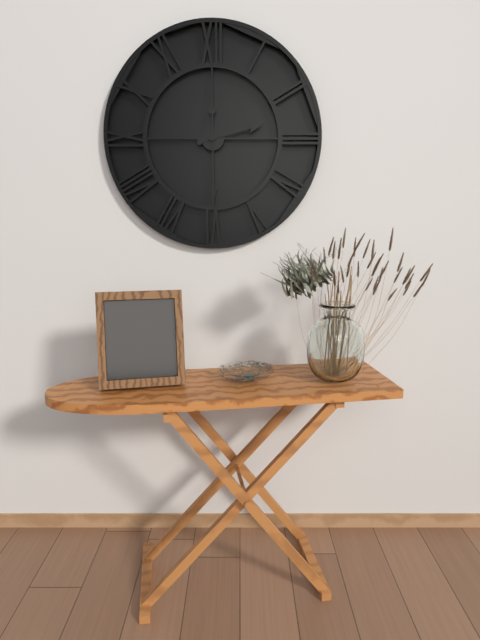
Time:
h=2 m=30
